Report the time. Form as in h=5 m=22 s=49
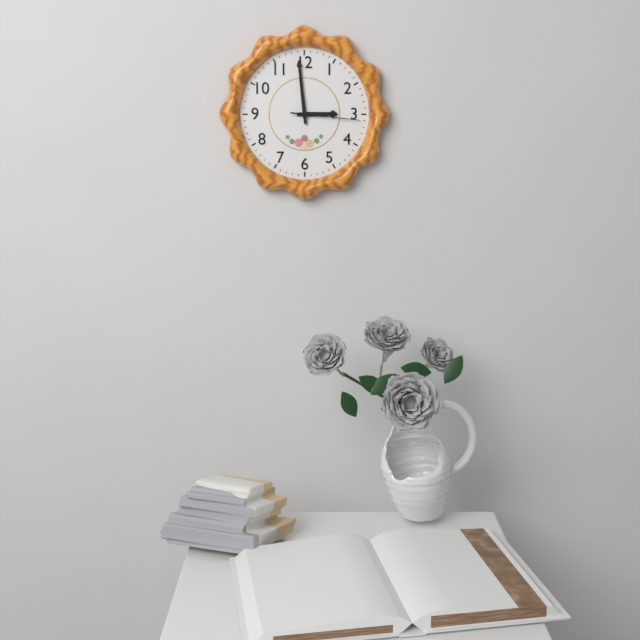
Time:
h=2 m=59 s=16
